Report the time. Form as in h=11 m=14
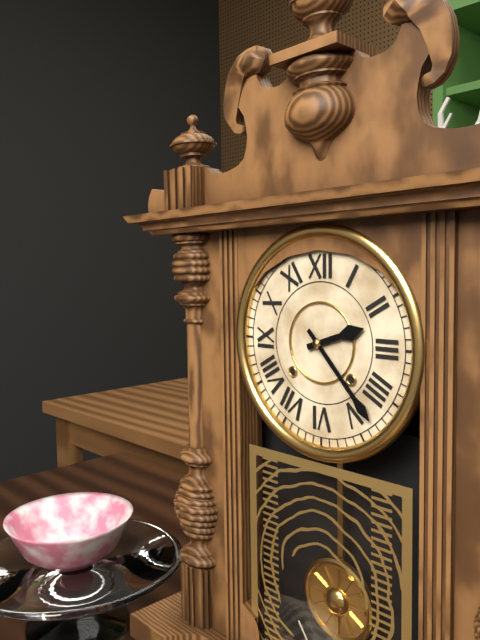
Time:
h=2 m=23
